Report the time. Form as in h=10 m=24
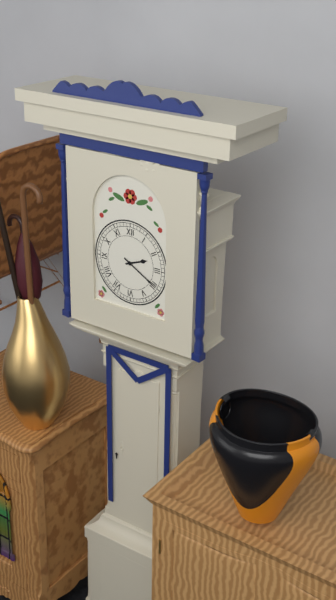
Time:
h=2 m=20
